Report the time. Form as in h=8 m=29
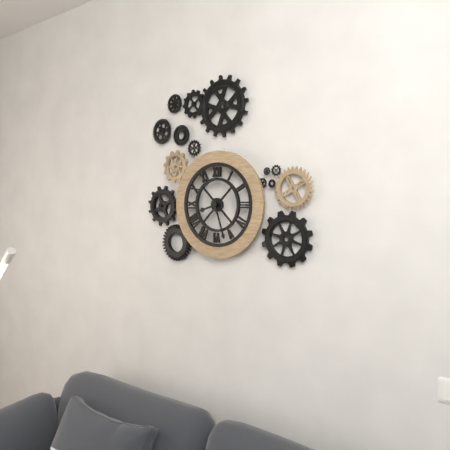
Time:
h=8 m=27
